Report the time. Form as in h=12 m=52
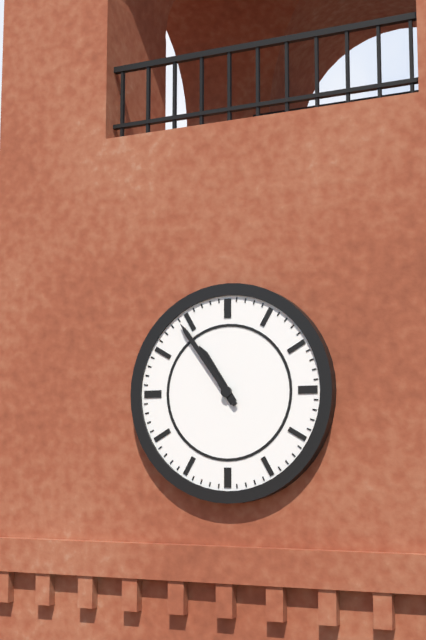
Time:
h=10 m=54
